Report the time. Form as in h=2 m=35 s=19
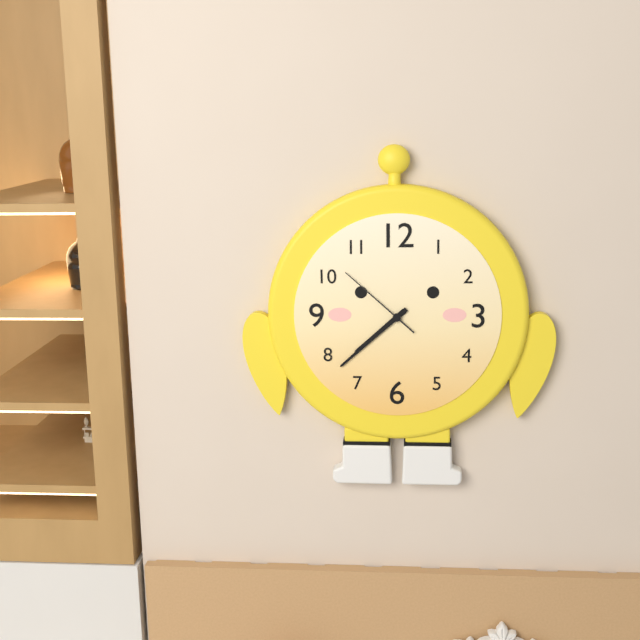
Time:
h=7 m=38 s=52
